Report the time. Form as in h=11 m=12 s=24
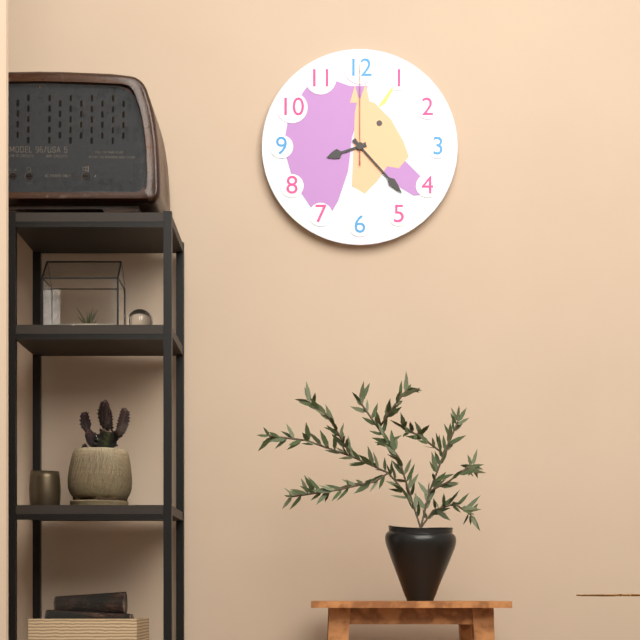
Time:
h=8 m=23 s=0
